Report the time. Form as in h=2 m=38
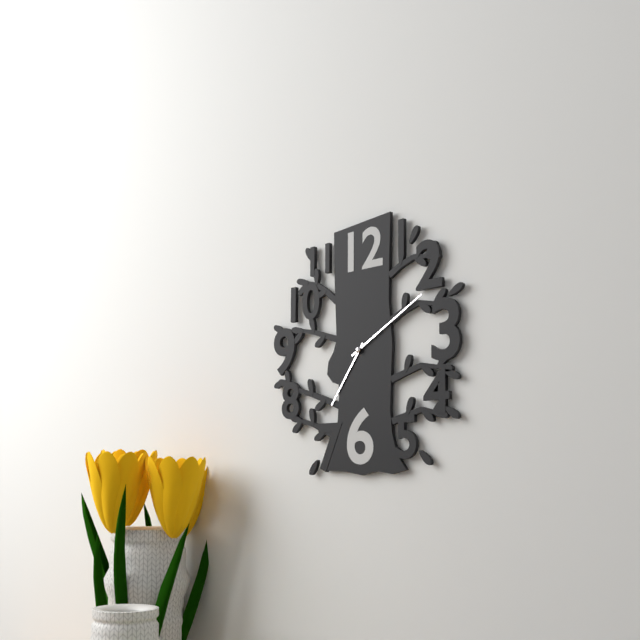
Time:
h=7 m=10
